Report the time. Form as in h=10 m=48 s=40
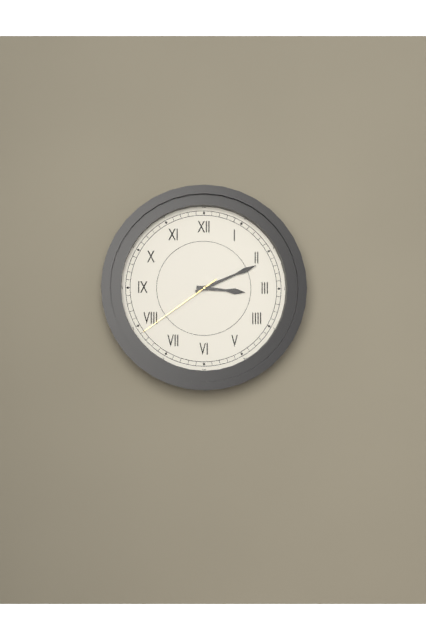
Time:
h=3 m=11 s=39
